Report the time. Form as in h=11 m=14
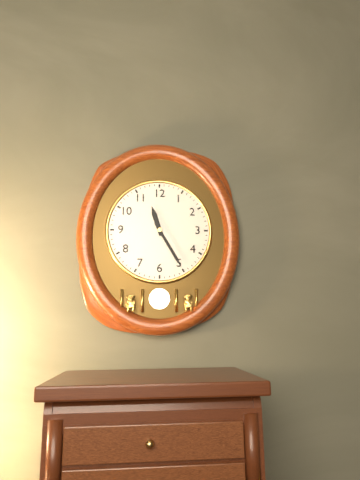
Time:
h=11 m=25
